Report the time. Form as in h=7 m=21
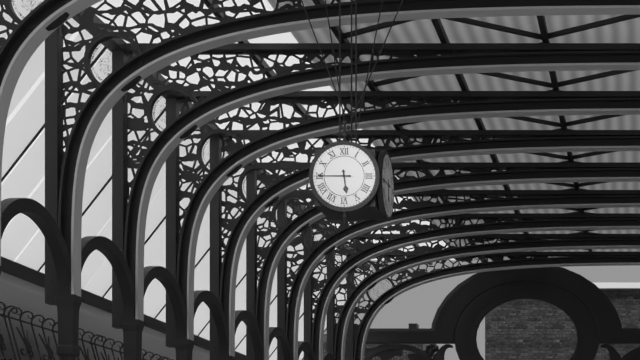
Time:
h=5 m=45
